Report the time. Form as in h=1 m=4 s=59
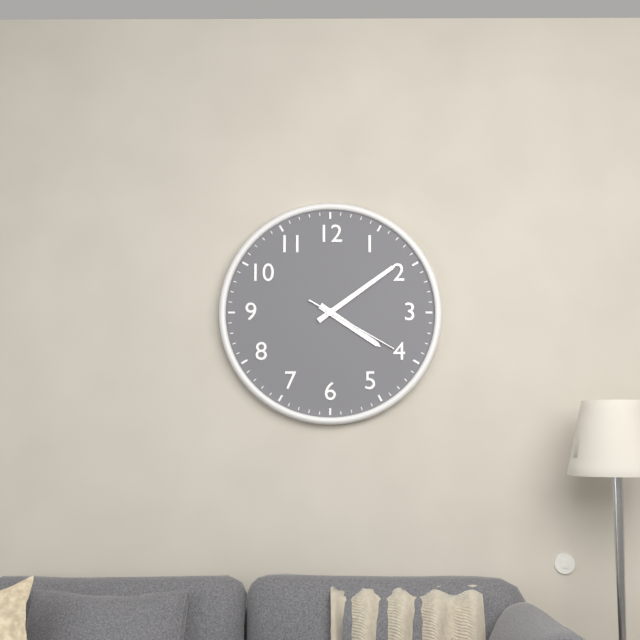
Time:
h=4 m=9 s=20
